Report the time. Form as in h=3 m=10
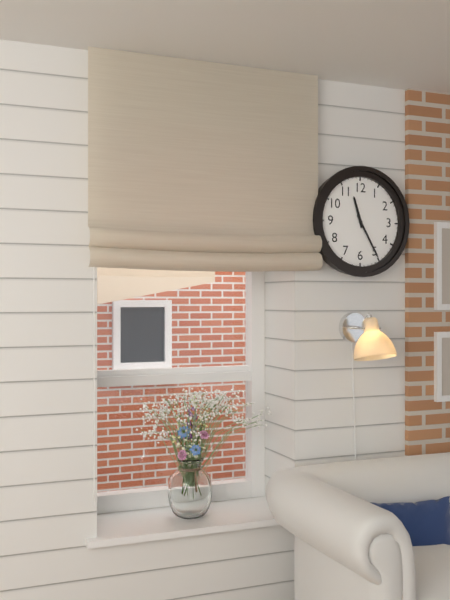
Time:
h=11 m=25
